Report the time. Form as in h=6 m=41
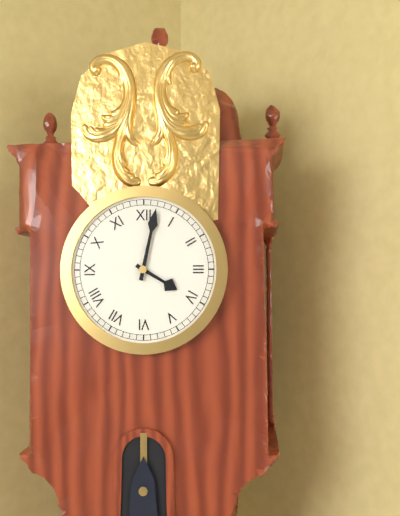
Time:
h=4 m=2
